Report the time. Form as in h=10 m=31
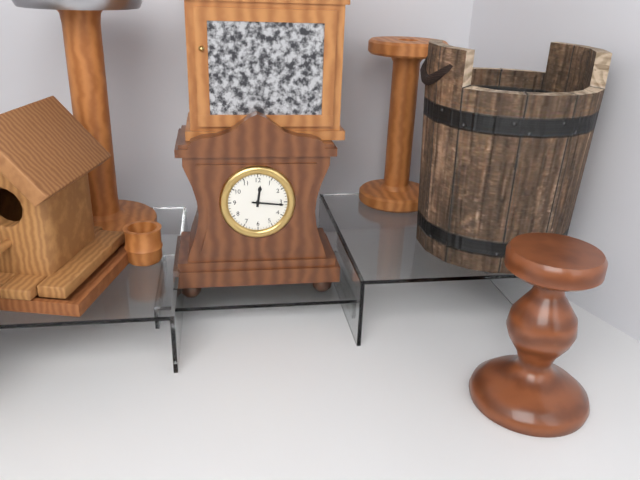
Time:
h=12 m=16
